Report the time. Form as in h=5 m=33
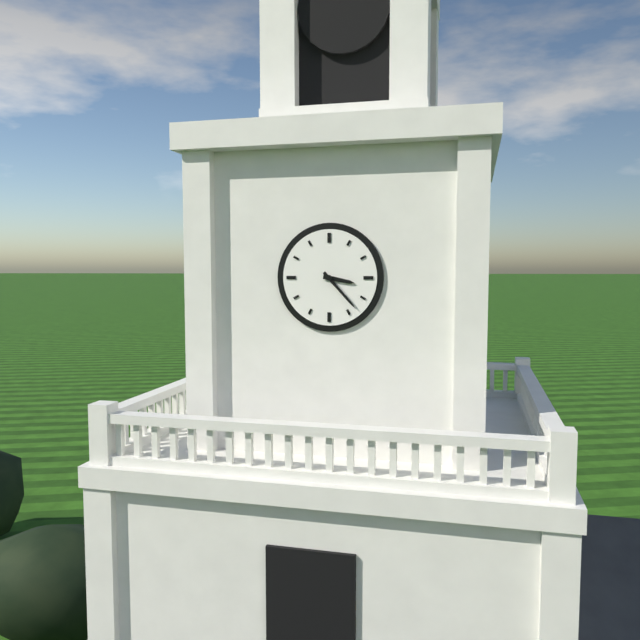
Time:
h=3 m=23
